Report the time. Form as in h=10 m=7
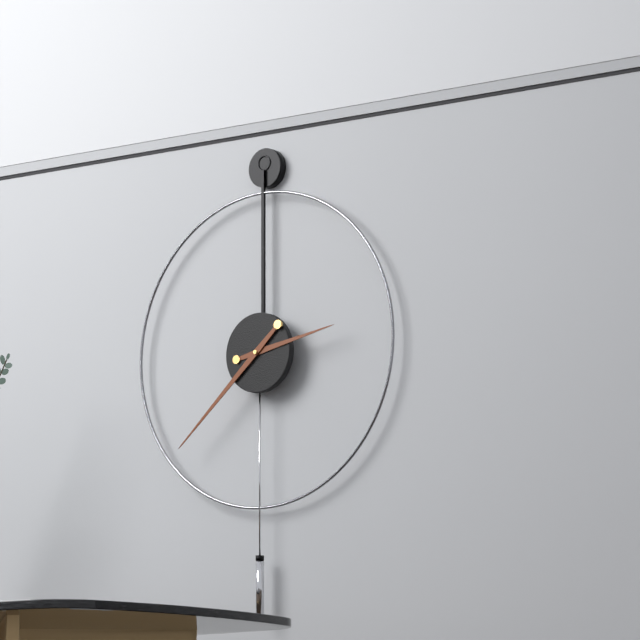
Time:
h=2 m=38
